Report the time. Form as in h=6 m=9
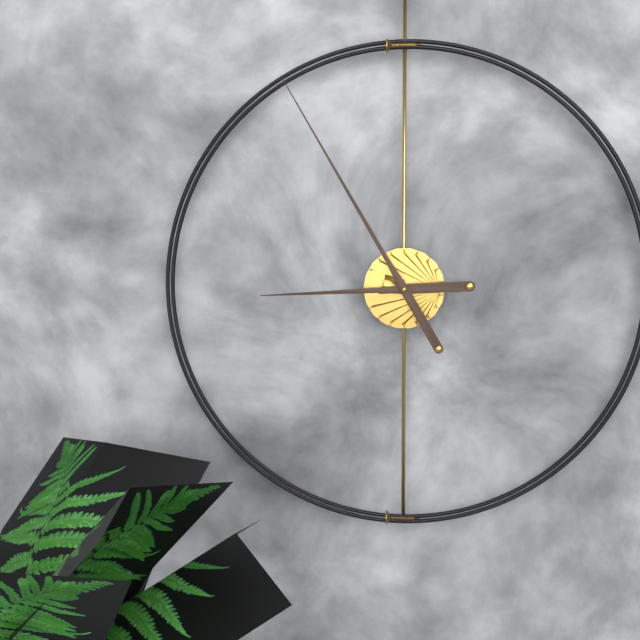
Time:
h=8 m=55
